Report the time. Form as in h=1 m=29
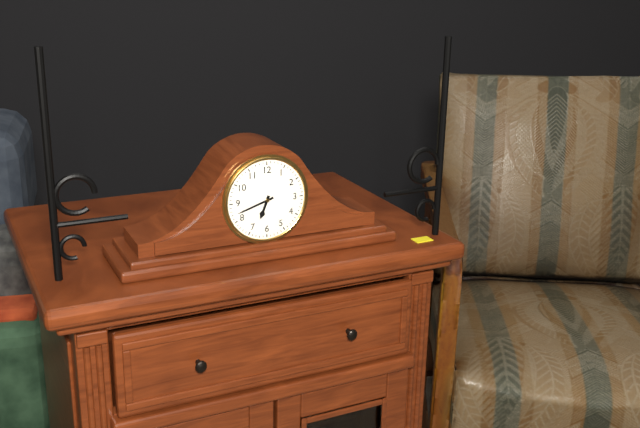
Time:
h=6 m=42
